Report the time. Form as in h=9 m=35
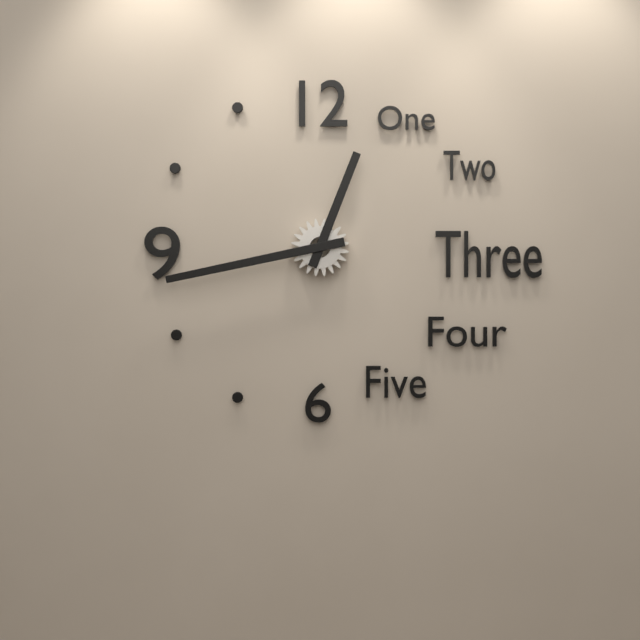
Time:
h=12 m=43
